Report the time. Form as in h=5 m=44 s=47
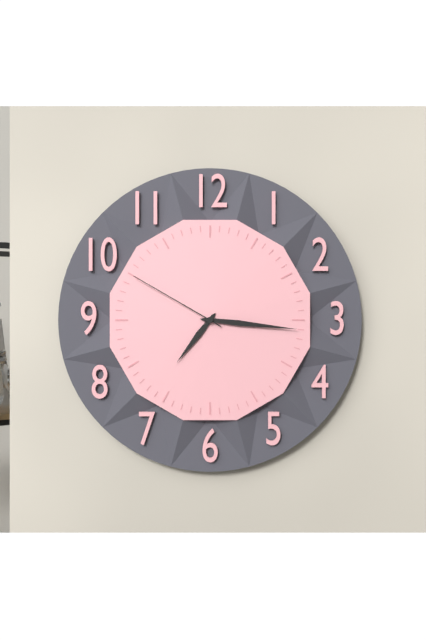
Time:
h=7 m=16 s=50
